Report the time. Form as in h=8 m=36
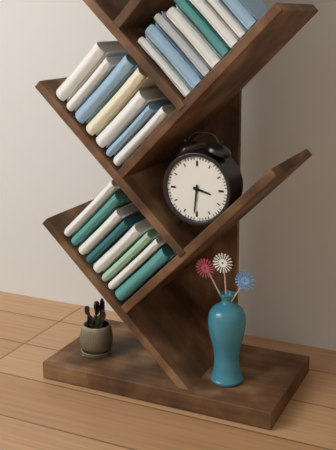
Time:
h=3 m=31
